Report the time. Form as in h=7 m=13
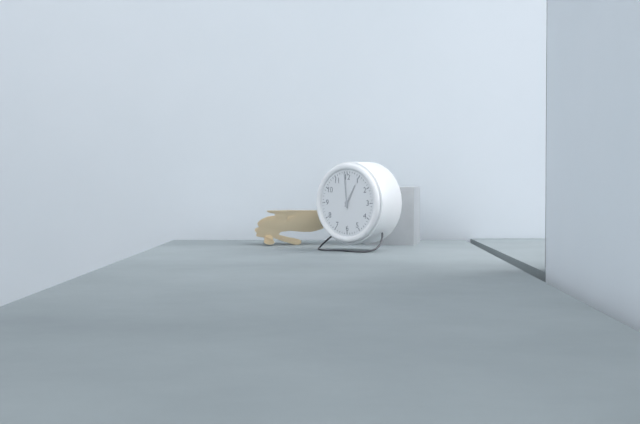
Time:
h=12 m=59
